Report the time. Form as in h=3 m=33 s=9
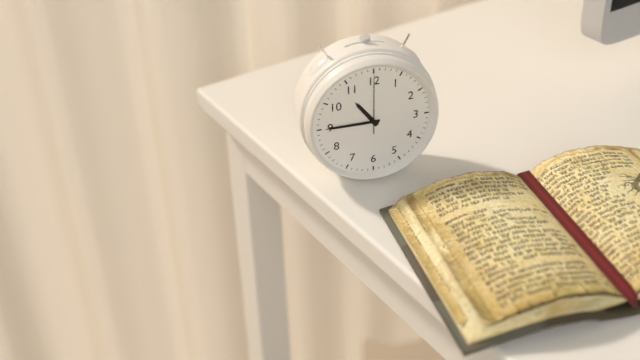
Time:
h=10 m=45 s=0
